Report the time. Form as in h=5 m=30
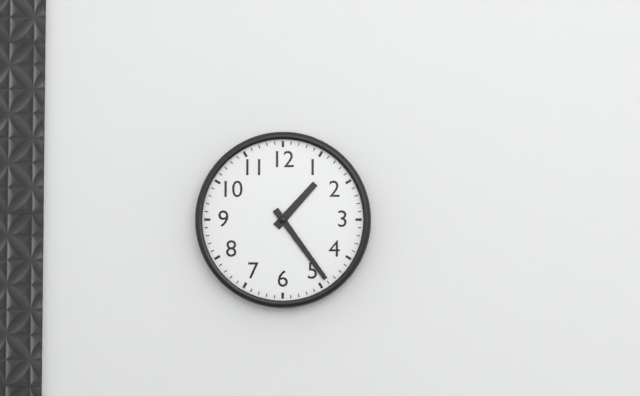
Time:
h=1 m=24
